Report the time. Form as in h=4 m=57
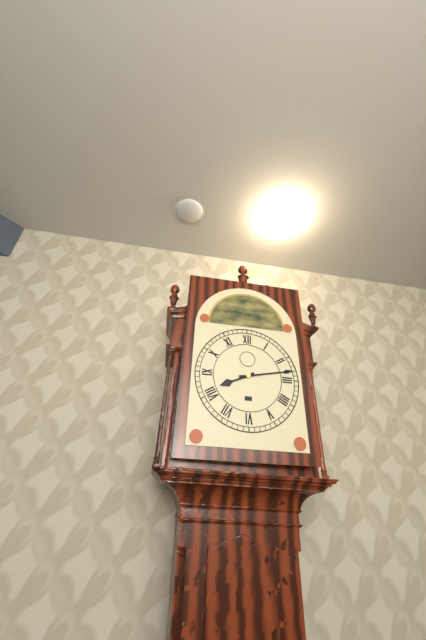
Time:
h=8 m=13
